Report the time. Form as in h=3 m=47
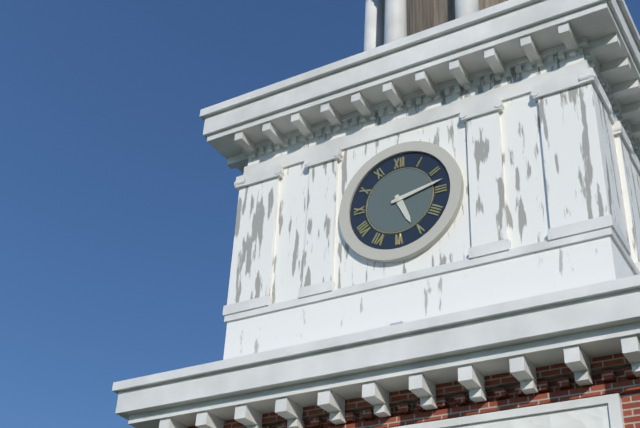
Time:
h=5 m=13
